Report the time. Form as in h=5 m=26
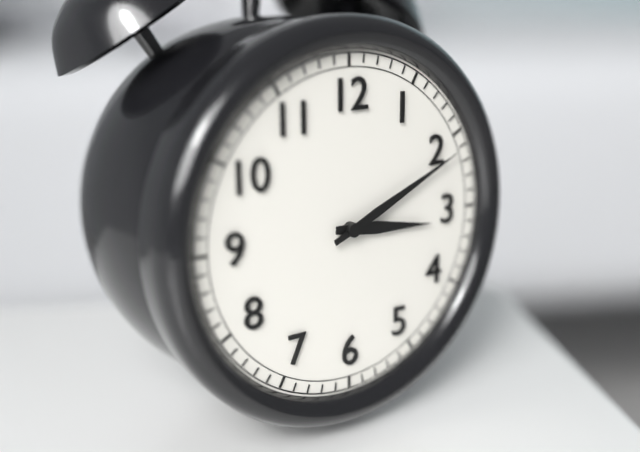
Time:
h=3 m=11
